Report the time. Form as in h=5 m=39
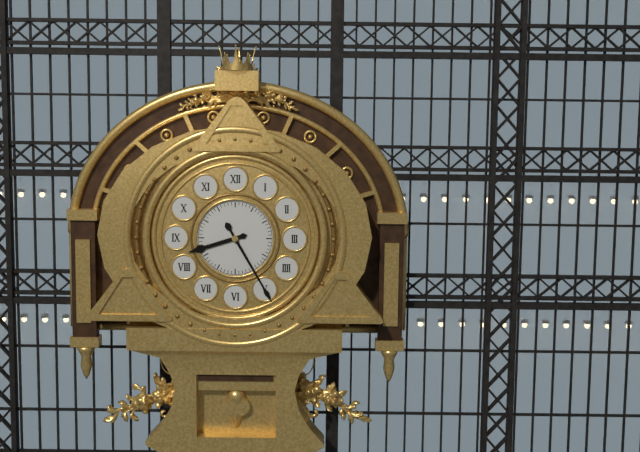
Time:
h=8 m=25
